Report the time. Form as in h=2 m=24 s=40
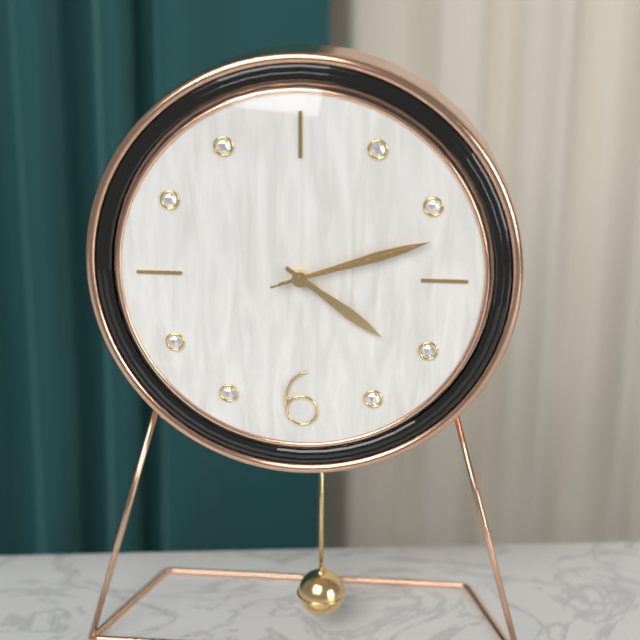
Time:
h=4 m=12 s=12
